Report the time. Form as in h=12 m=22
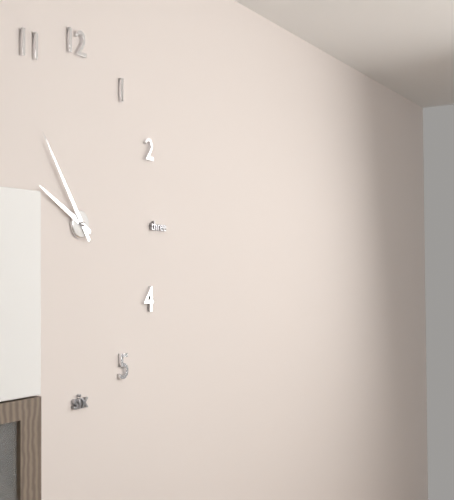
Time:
h=9 m=54
